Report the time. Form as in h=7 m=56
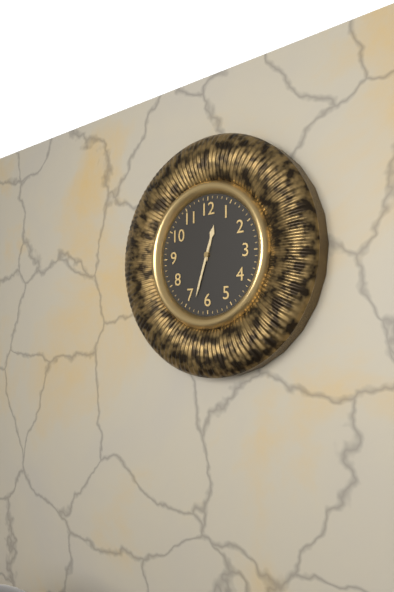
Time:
h=12 m=33
